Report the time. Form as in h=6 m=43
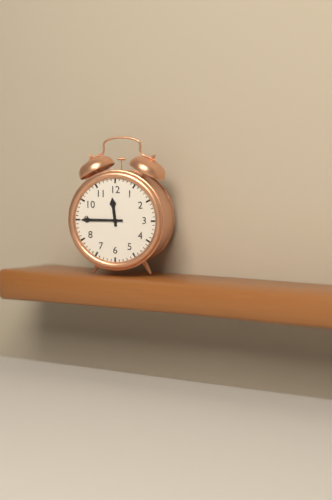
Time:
h=11 m=45
